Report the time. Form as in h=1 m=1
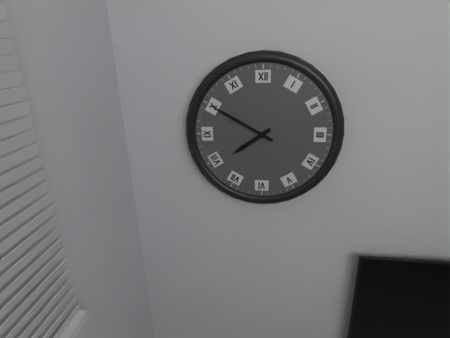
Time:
h=7 m=50
